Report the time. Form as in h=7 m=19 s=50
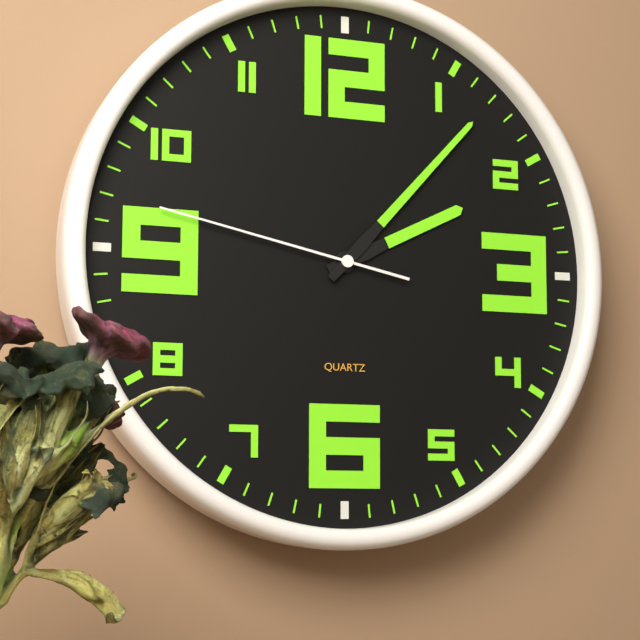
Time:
h=2 m=7 s=47
